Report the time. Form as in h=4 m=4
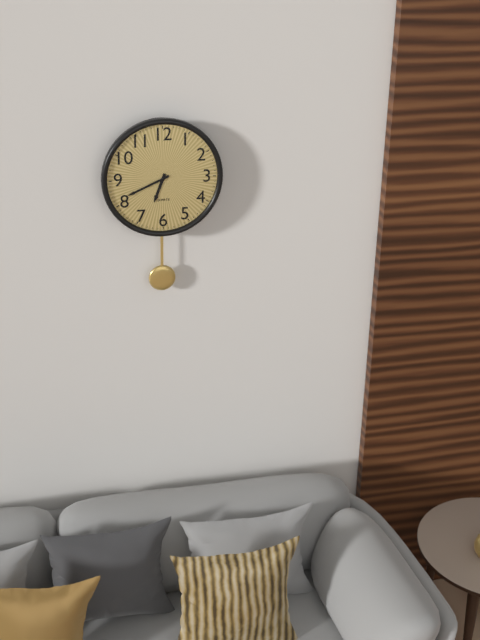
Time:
h=6 m=41
